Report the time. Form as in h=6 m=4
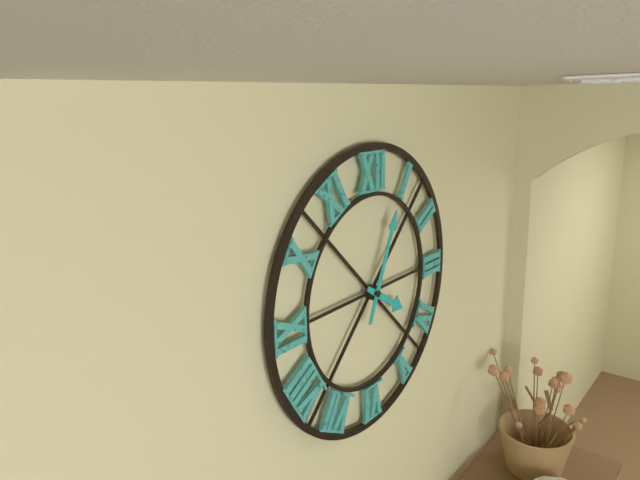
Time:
h=4 m=4
